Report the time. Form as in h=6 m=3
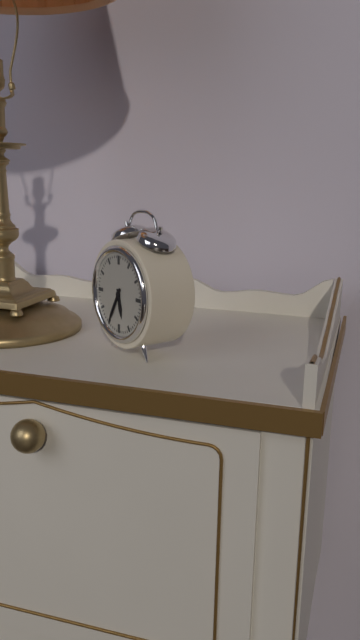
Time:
h=5 m=35
